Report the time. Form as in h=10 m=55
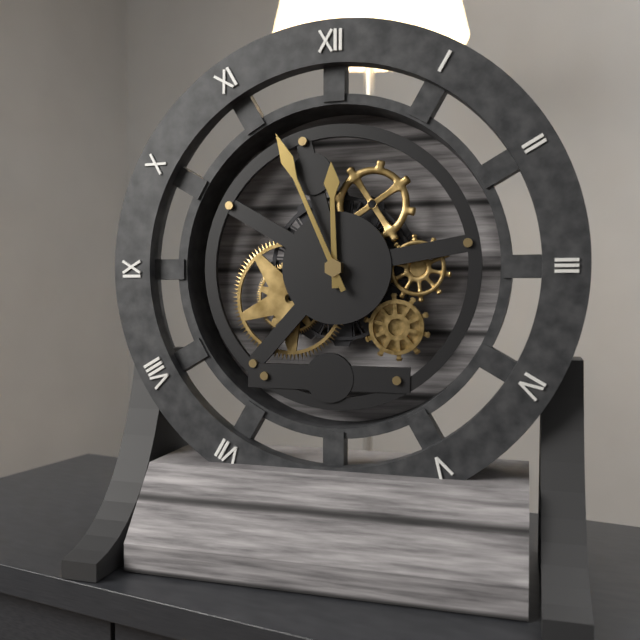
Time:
h=11 m=56
